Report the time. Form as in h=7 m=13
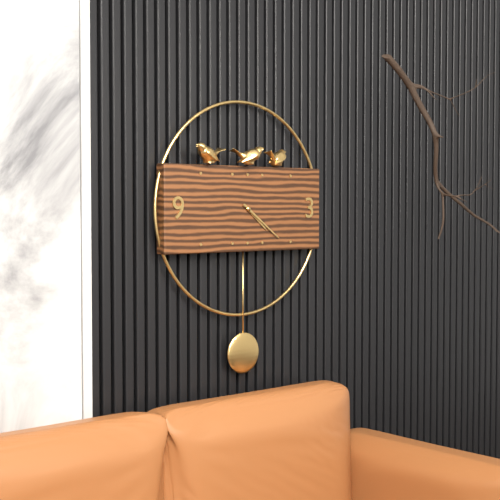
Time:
h=4 m=21
